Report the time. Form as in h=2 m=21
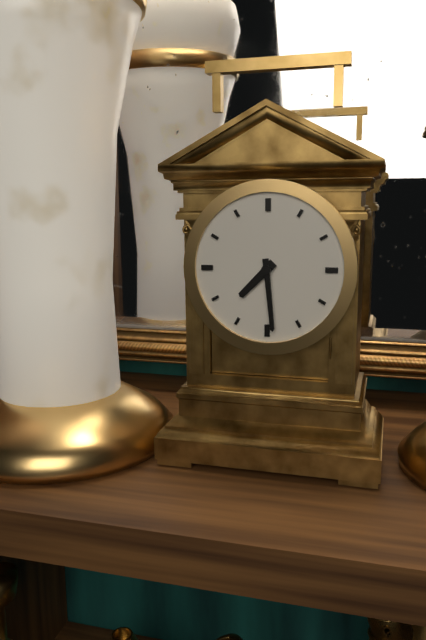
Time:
h=7 m=29
